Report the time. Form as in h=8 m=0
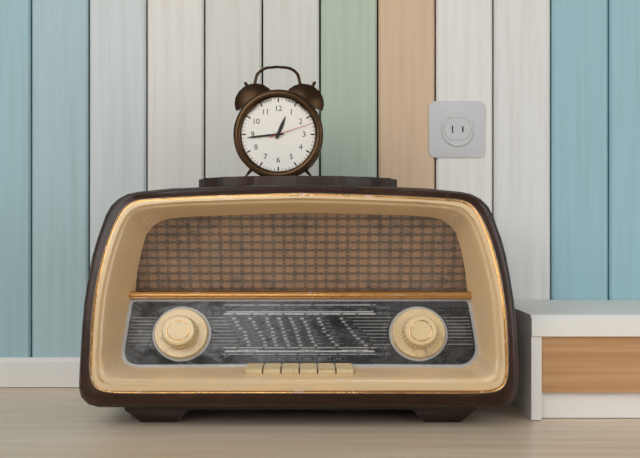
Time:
h=12 m=44
